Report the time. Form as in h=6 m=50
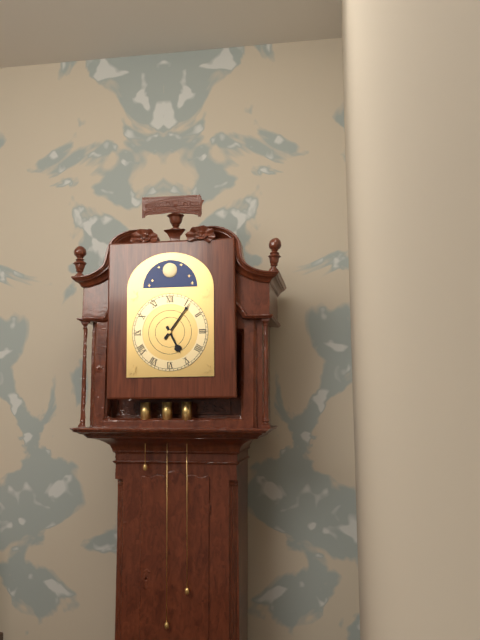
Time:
h=5 m=6
